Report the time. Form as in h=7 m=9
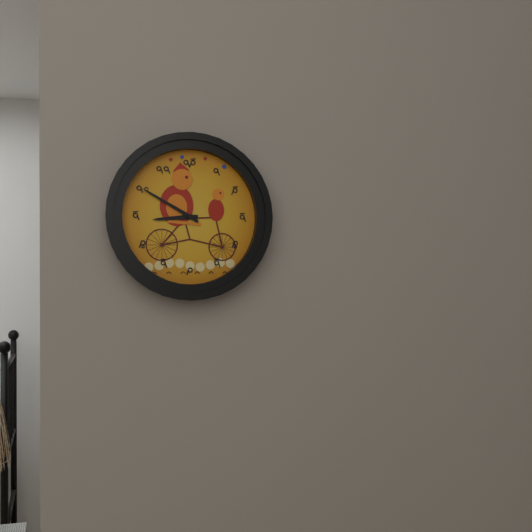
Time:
h=8 m=50
